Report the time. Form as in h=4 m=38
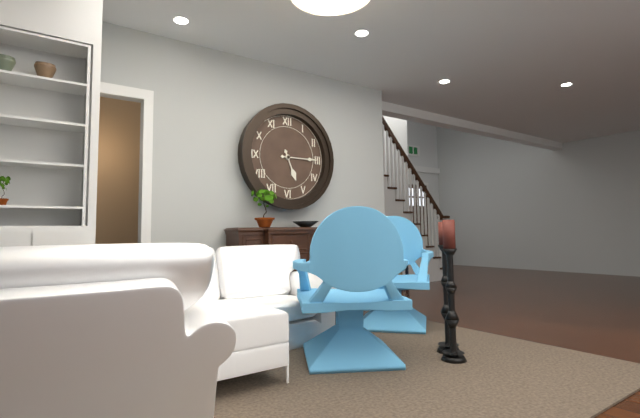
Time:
h=5 m=15
